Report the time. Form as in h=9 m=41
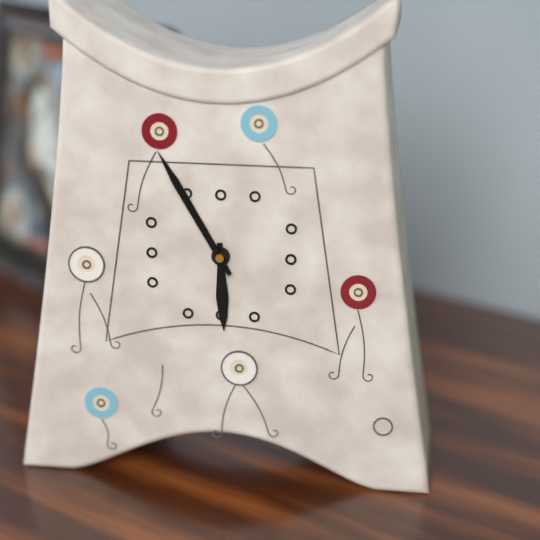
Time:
h=5 m=55
